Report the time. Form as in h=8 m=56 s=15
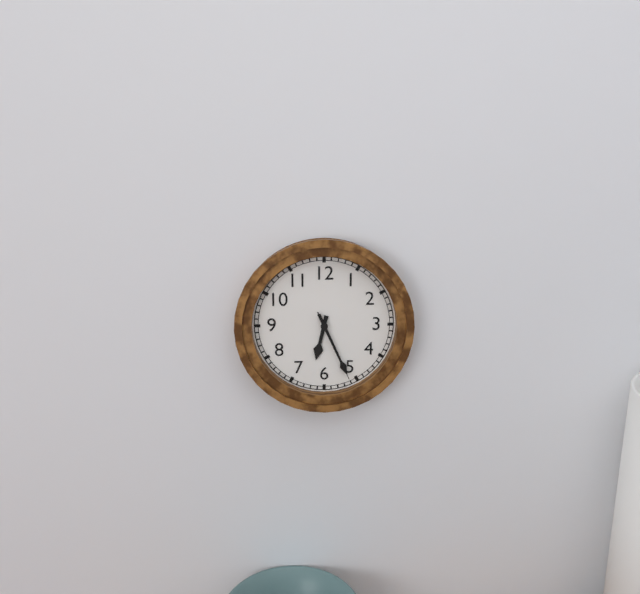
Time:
h=6 m=26 s=26
